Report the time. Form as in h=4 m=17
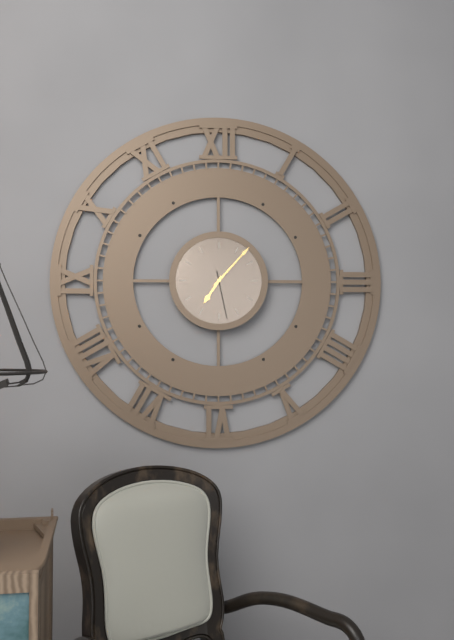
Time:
h=7 m=7
